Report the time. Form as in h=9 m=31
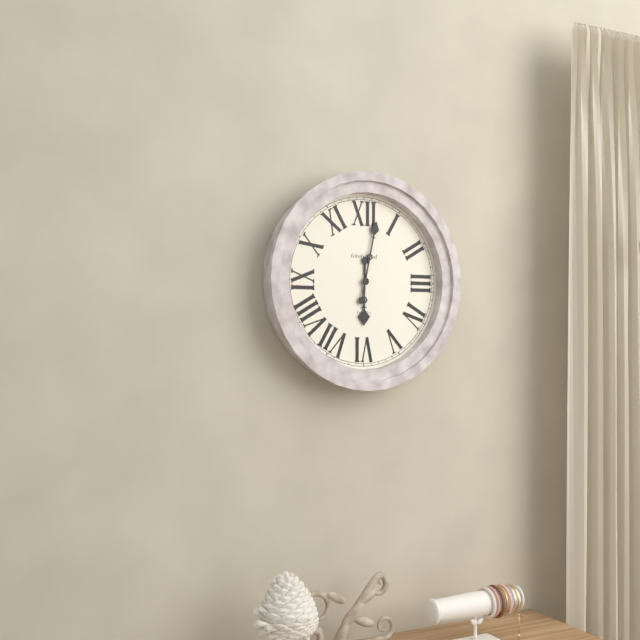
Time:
h=6 m=2
